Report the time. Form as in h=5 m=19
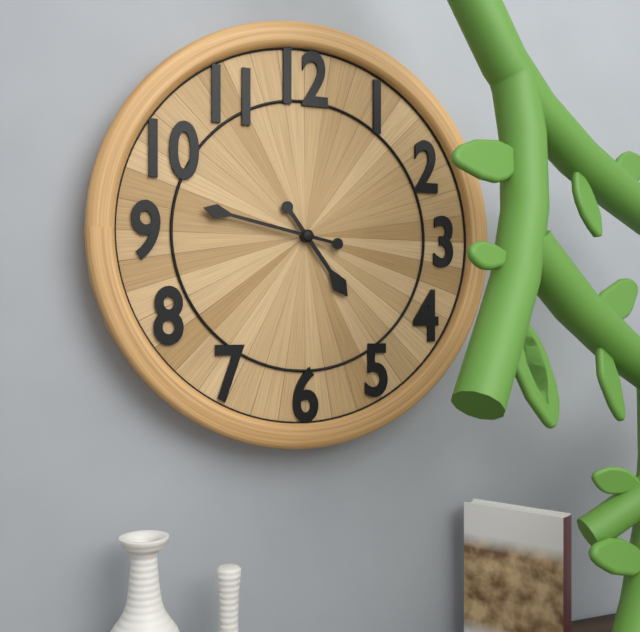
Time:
h=4 m=47
